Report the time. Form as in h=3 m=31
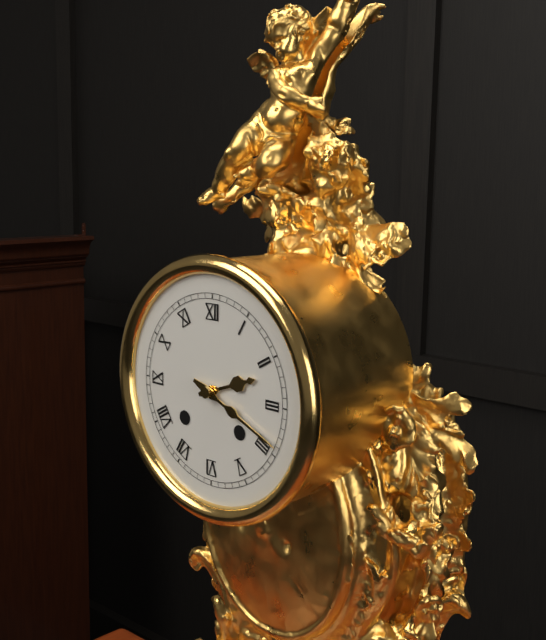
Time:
h=2 m=19
